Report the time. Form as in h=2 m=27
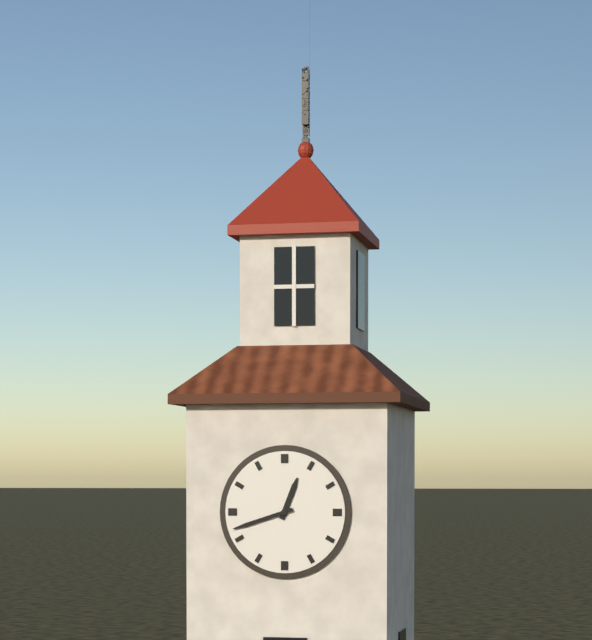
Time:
h=12 m=42
